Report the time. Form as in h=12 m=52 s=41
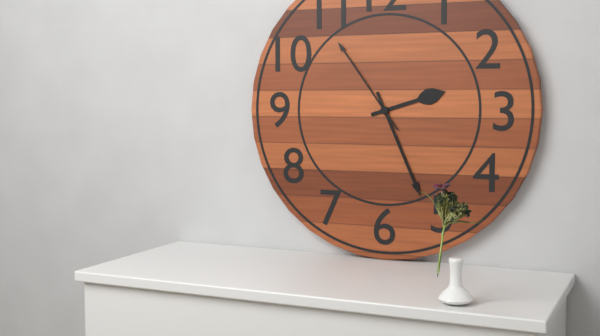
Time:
h=2 m=26 s=54
